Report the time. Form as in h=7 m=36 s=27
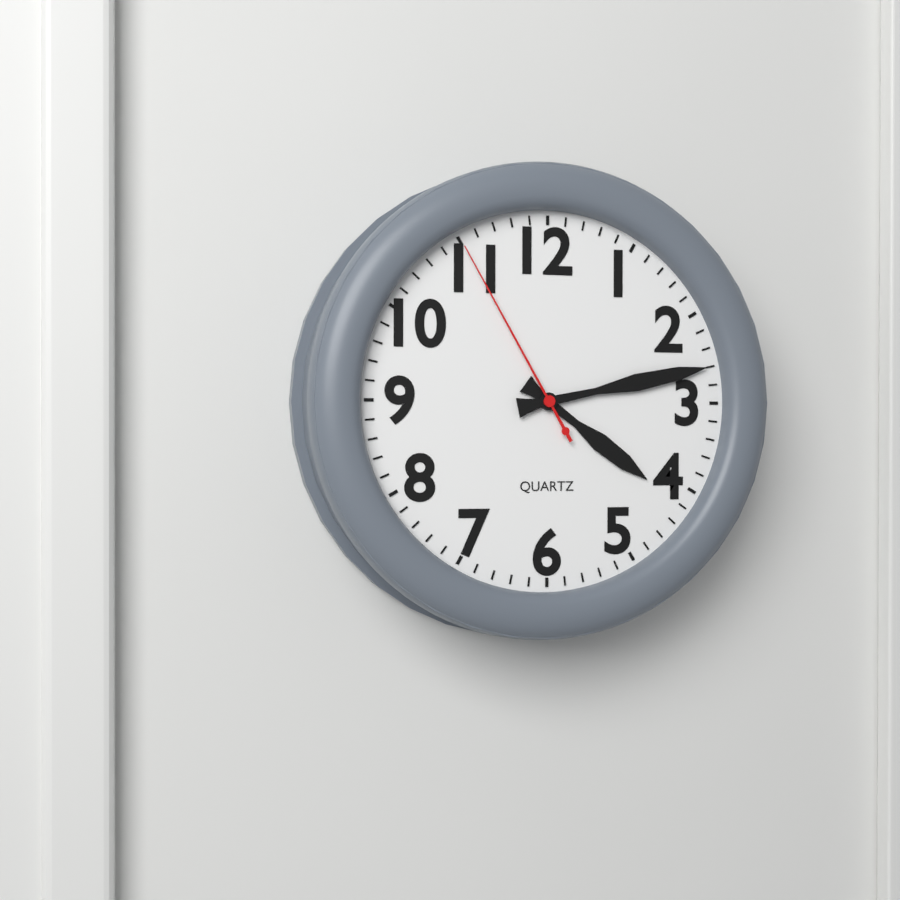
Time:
h=4 m=13 s=55
